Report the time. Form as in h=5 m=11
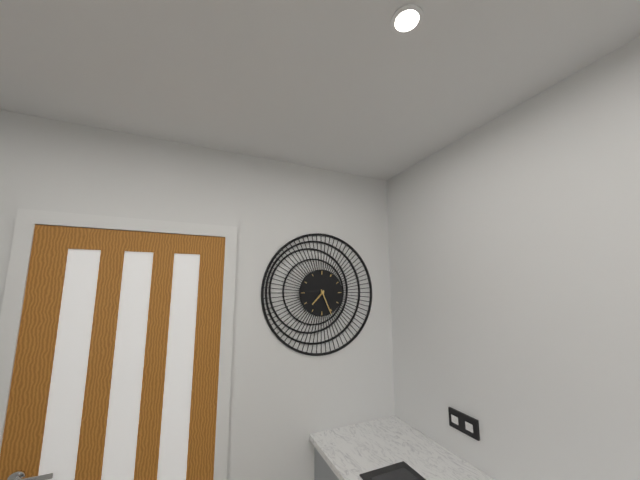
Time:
h=7 m=26
